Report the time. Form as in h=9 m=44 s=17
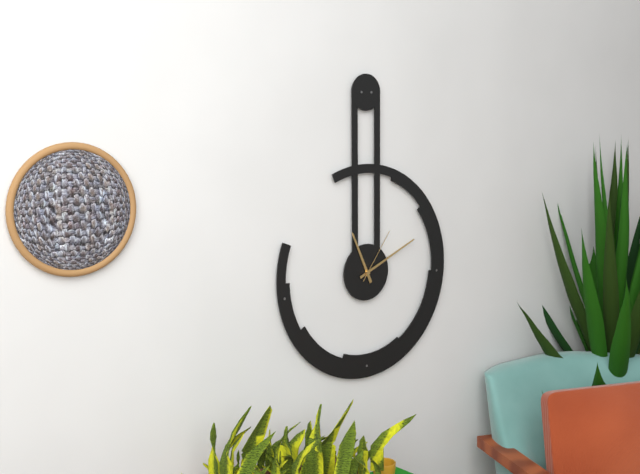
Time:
h=11 m=11 s=6
